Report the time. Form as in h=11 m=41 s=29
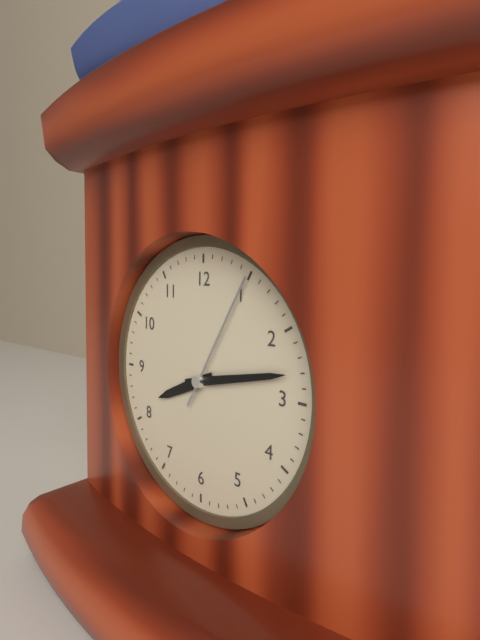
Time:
h=8 m=13 s=5
